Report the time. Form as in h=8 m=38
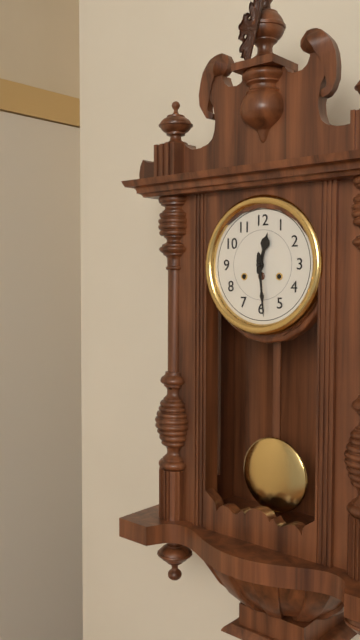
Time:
h=12 m=29
